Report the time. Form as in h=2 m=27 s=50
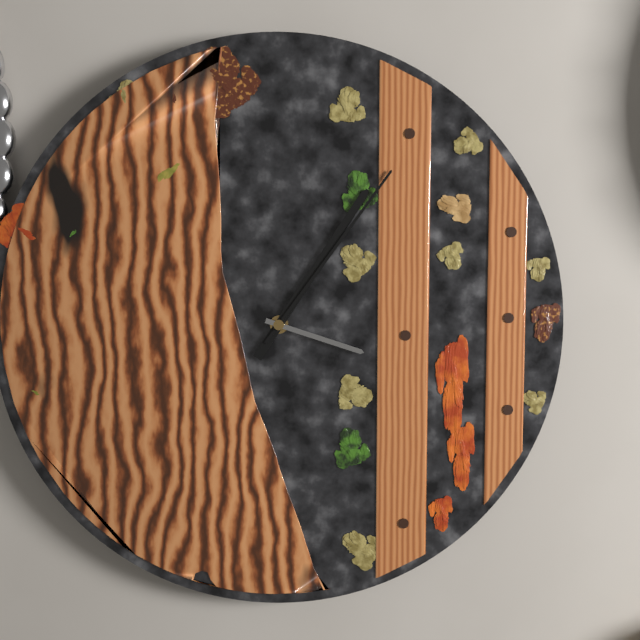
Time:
h=1 m=6 s=18
